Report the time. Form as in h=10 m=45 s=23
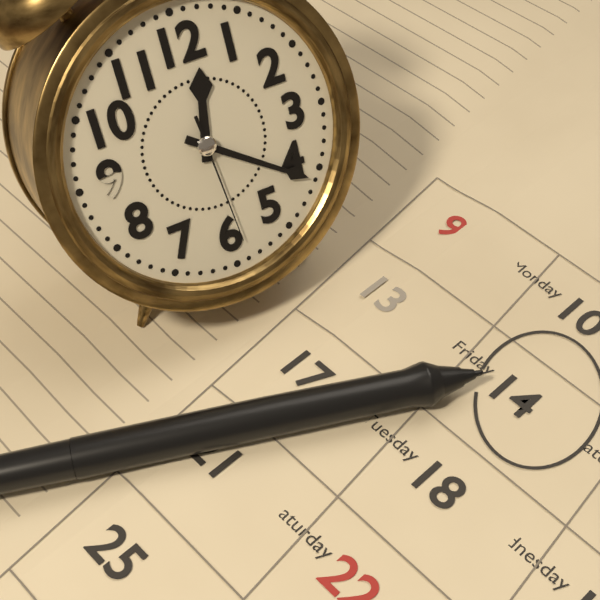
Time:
h=12 m=21 s=29
